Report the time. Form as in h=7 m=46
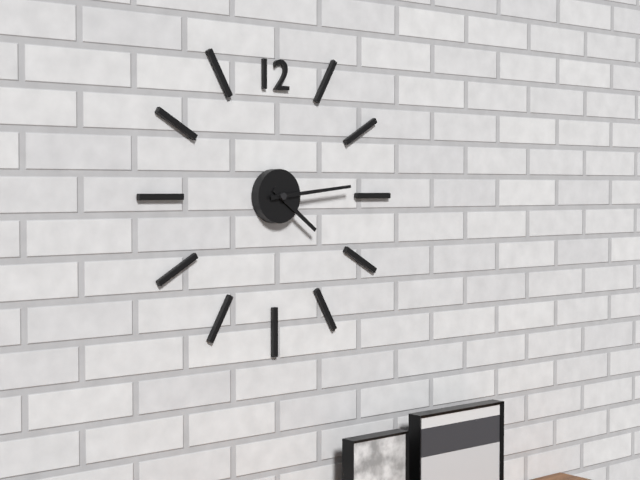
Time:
h=4 m=14
